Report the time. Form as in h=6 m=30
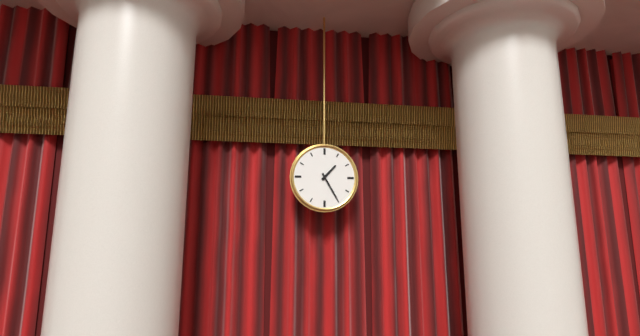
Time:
h=1 m=25
